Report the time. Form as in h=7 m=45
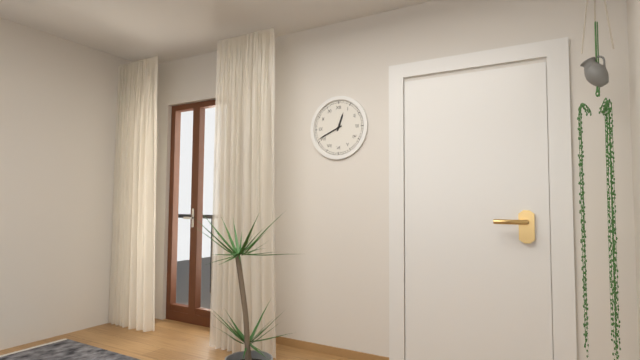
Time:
h=12 m=41
